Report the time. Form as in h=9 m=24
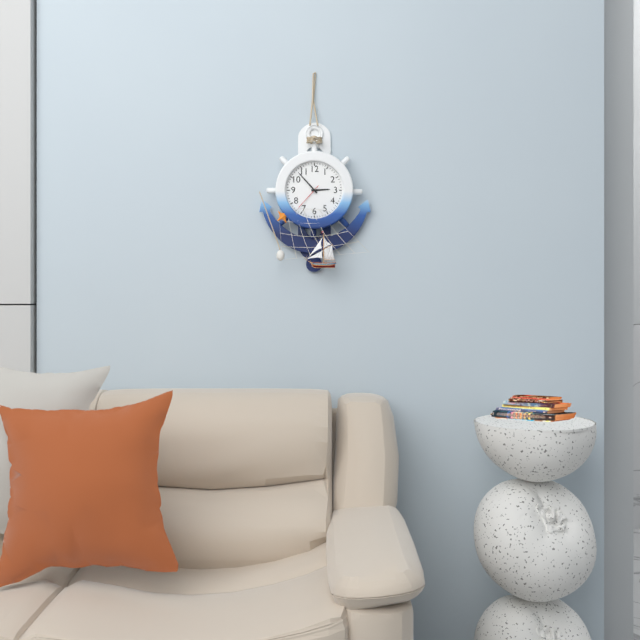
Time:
h=2 m=53
